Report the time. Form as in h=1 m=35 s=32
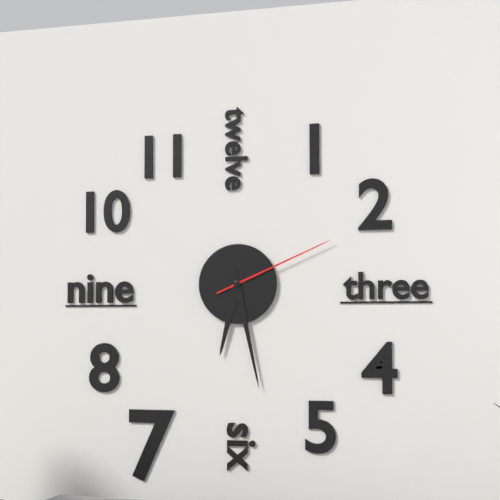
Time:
h=6 m=28 s=11
